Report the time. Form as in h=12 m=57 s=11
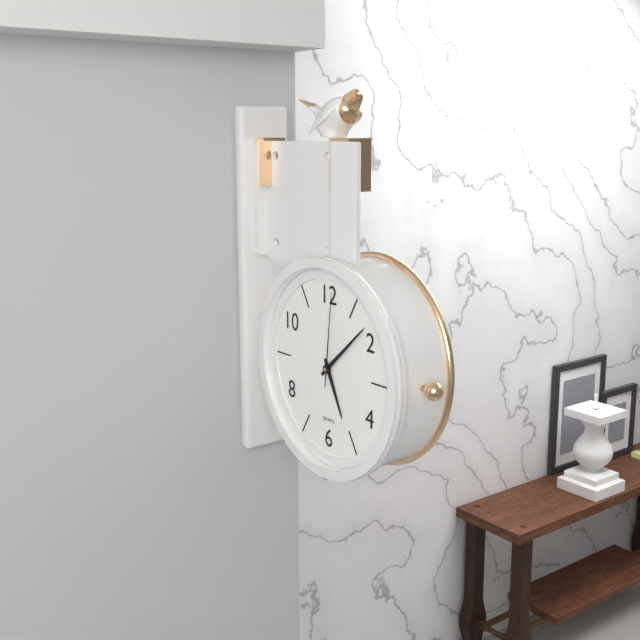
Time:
h=5 m=8 s=1
